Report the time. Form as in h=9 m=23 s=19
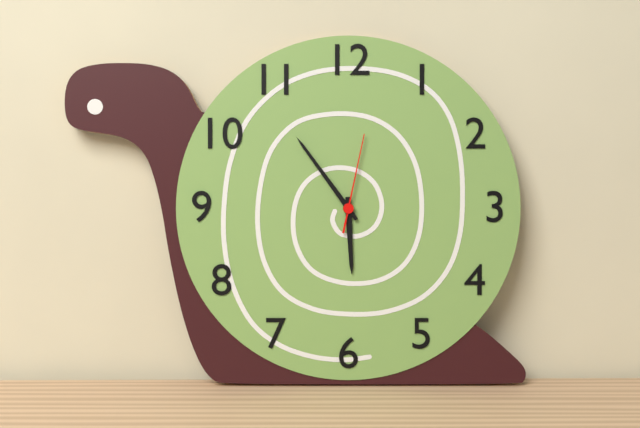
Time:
h=5 m=54 s=2
